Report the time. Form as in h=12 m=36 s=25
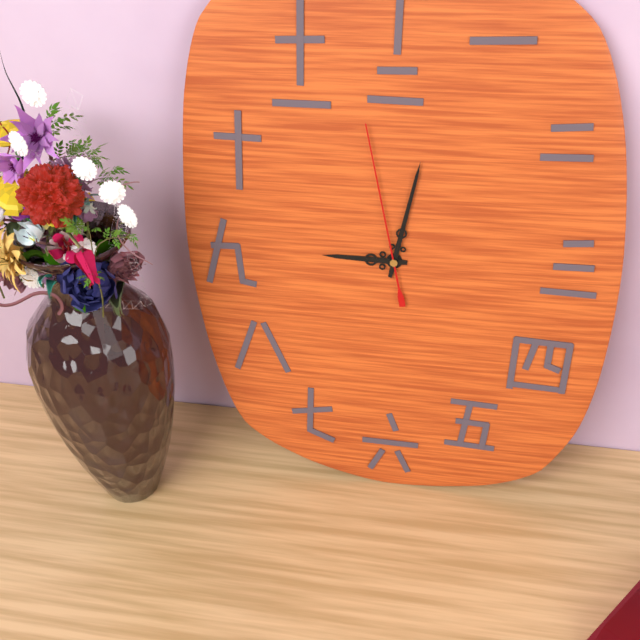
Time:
h=9 m=2 s=58
